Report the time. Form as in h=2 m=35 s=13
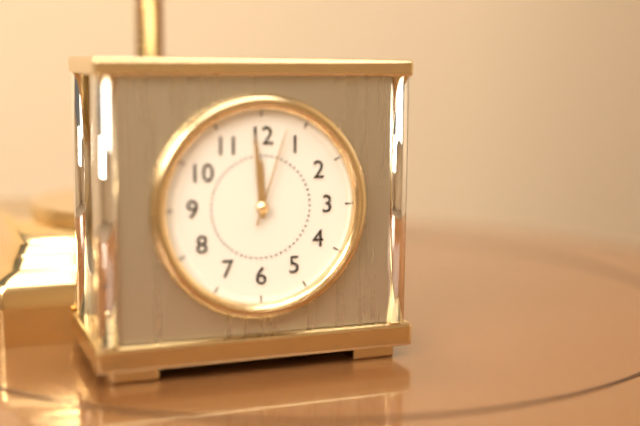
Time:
h=11 m=59 s=3
